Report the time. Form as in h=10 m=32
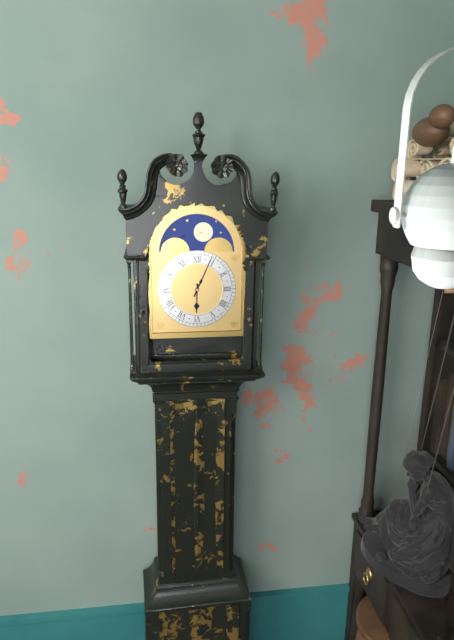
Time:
h=6 m=4
